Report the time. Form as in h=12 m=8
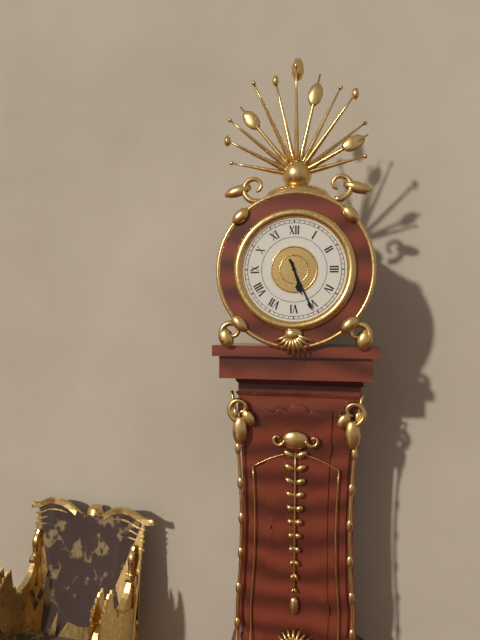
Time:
h=5 m=26
